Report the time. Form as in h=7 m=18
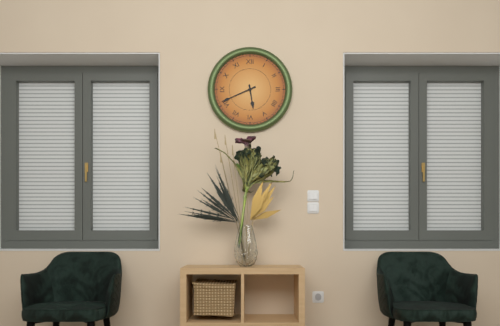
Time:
h=5 m=41
